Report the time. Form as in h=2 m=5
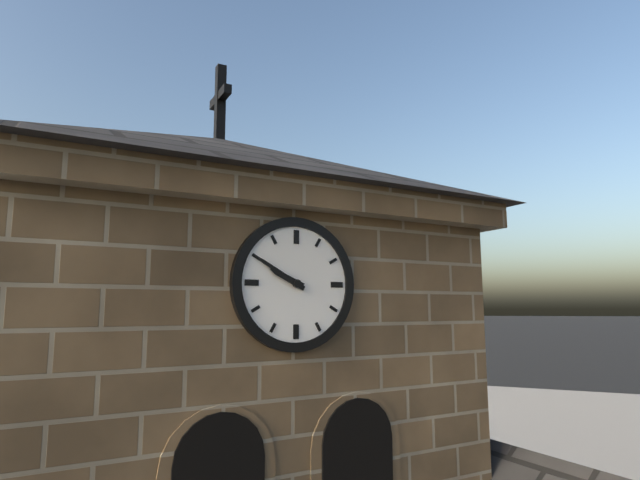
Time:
h=9 m=50
